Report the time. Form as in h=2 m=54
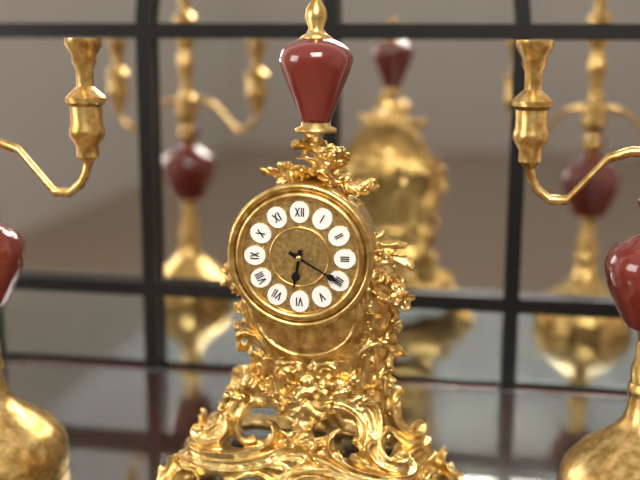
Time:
h=6 m=20
